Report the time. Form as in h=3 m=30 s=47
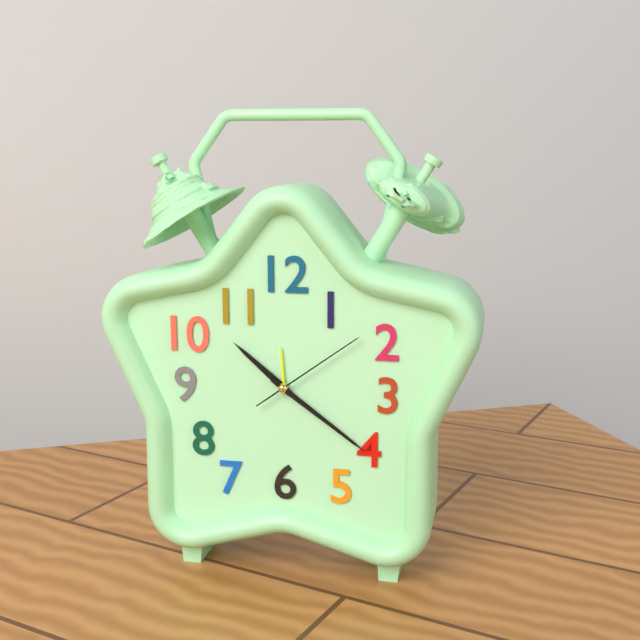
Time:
h=10 m=21 s=9
